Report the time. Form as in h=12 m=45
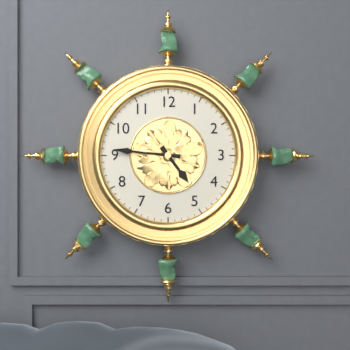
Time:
h=4 m=46
